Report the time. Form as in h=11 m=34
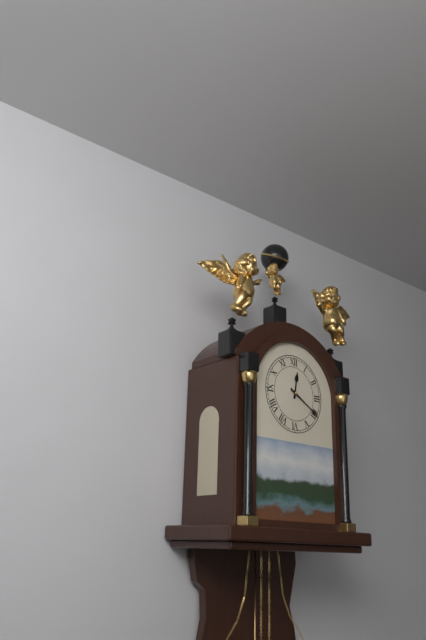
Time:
h=12 m=20
